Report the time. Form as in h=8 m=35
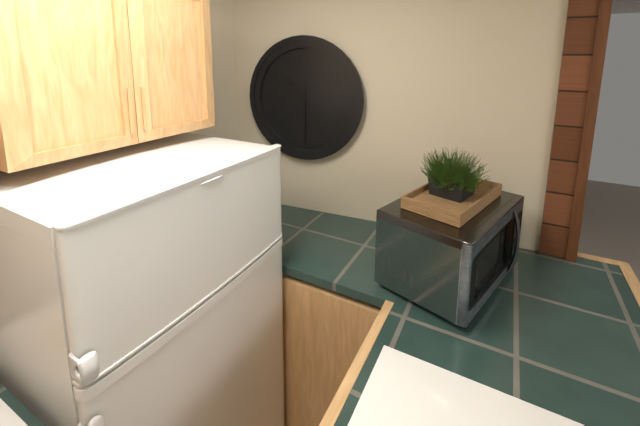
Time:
h=10 m=30
